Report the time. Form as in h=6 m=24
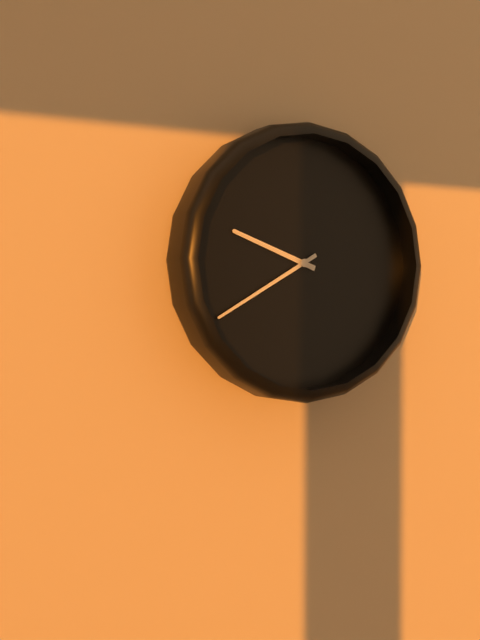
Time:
h=9 m=40
